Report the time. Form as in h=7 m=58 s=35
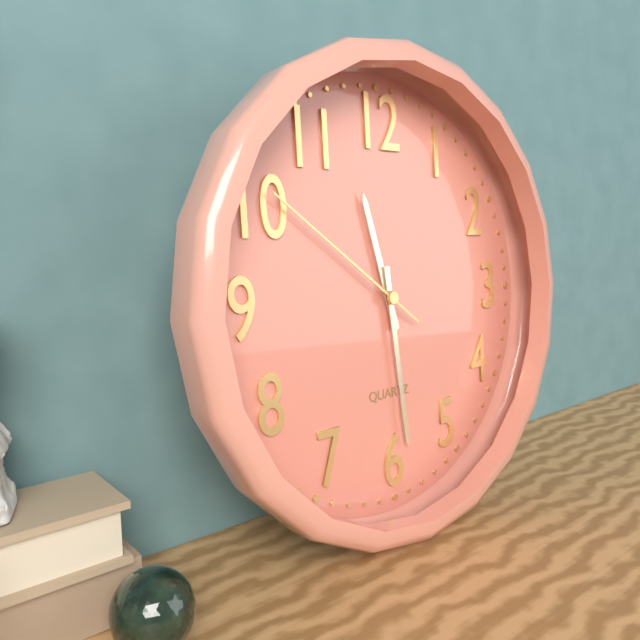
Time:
h=11 m=29 s=51
